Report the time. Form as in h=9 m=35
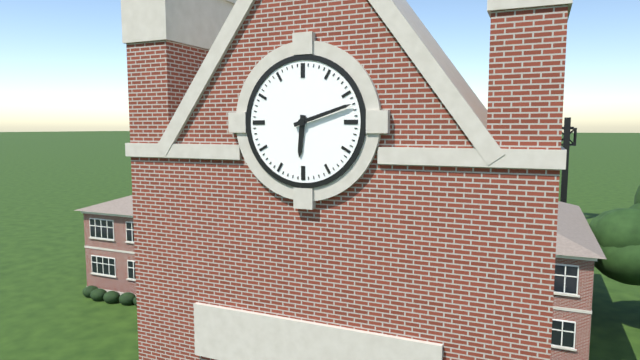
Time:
h=6 m=12
